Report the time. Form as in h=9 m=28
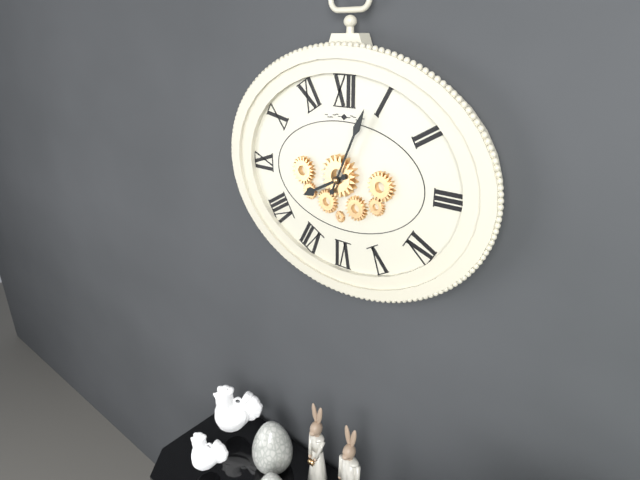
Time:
h=8 m=4
